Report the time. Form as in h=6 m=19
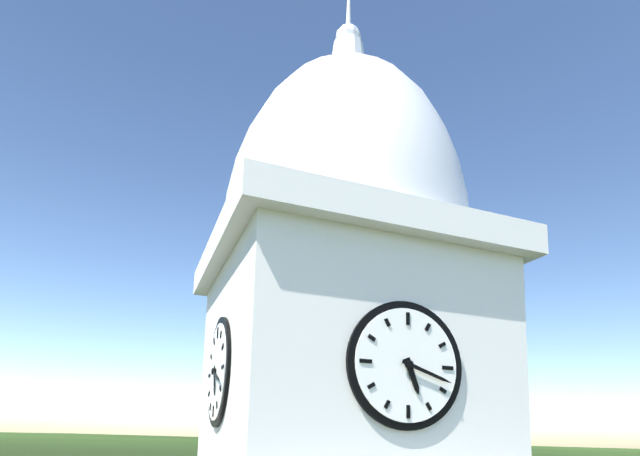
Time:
h=5 m=18
